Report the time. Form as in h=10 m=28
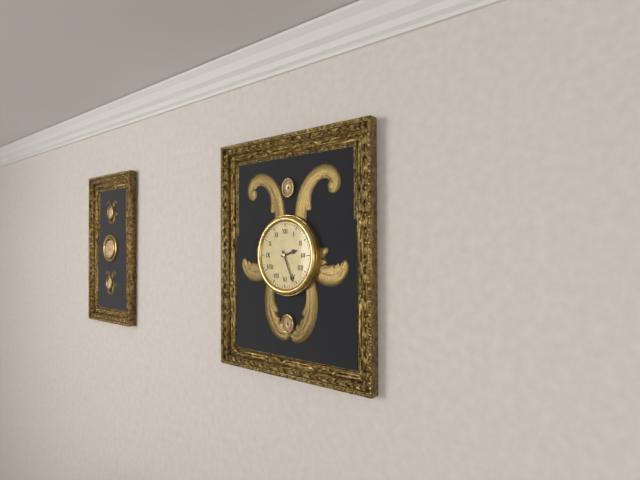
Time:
h=2 m=26
